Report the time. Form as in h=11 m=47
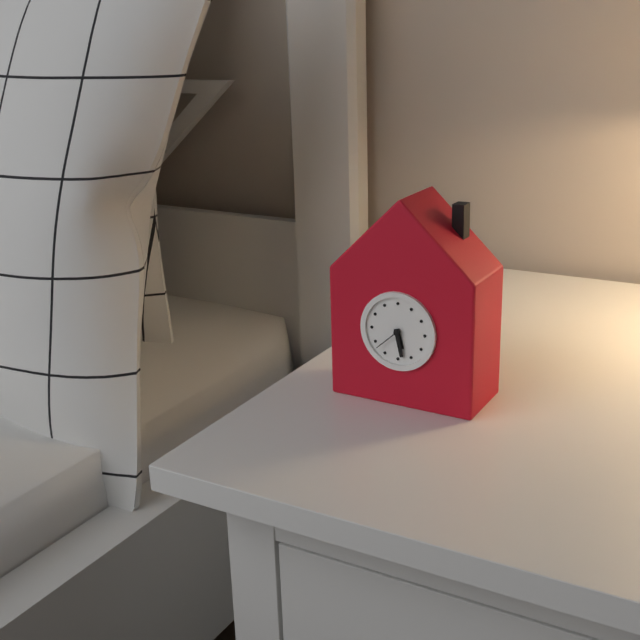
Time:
h=5 m=28
